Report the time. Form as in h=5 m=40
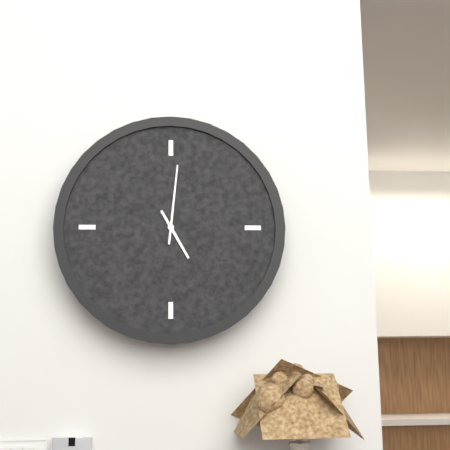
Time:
h=5 m=1
